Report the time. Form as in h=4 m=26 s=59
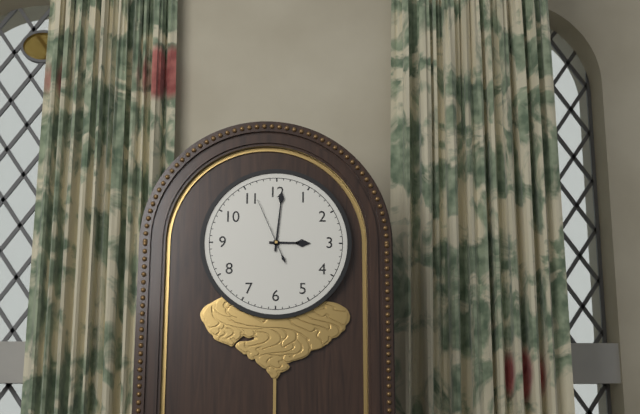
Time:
h=3 m=1 s=56
